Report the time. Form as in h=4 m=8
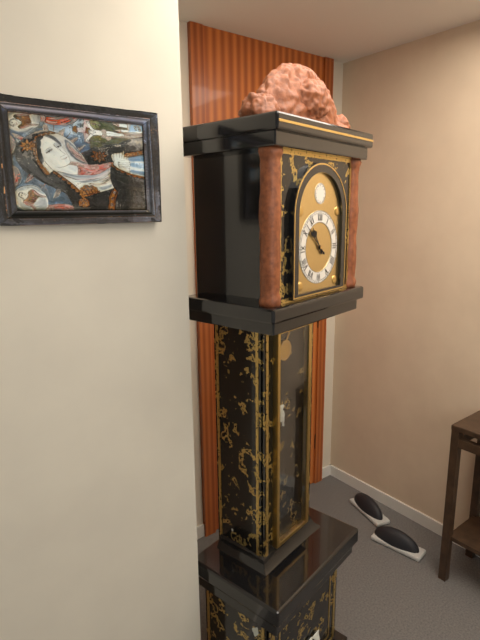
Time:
h=10 m=52
